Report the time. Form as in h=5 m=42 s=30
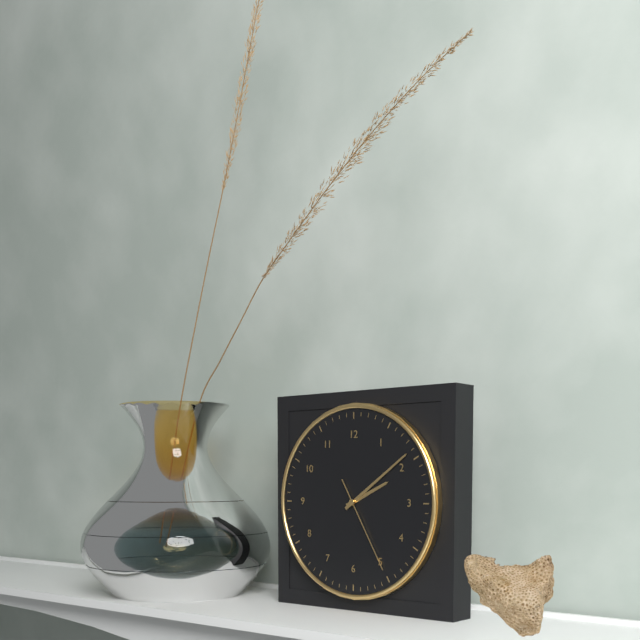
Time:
h=2 m=9 s=25
